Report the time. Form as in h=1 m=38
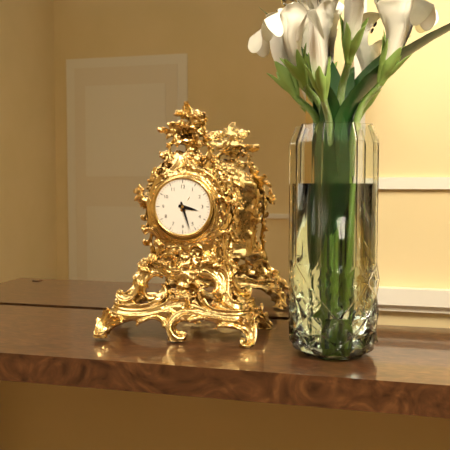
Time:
h=3 m=27
